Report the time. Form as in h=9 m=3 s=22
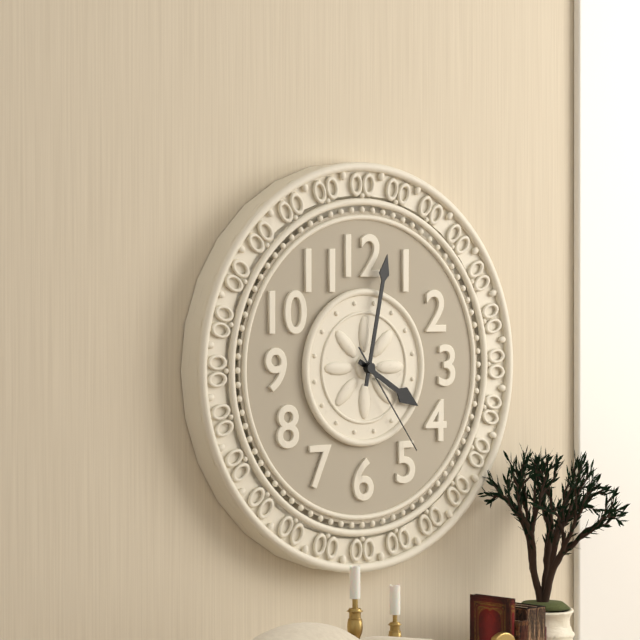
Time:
h=4 m=2 s=24
